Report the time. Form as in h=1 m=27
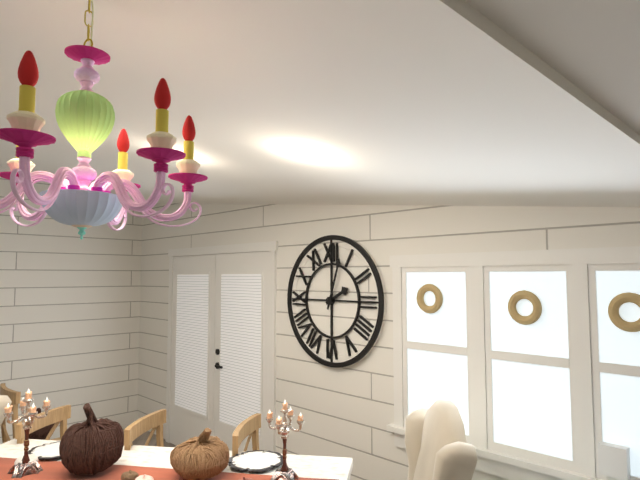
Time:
h=2 m=3
